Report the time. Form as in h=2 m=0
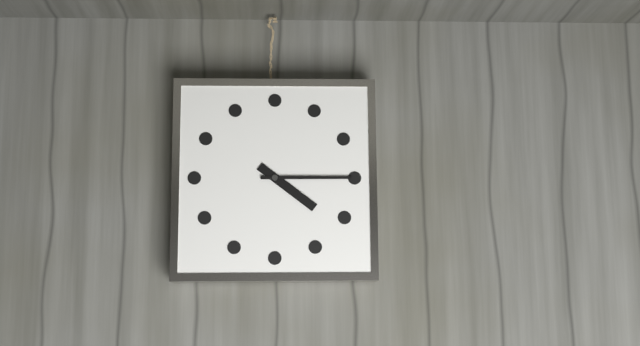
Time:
h=4 m=15
